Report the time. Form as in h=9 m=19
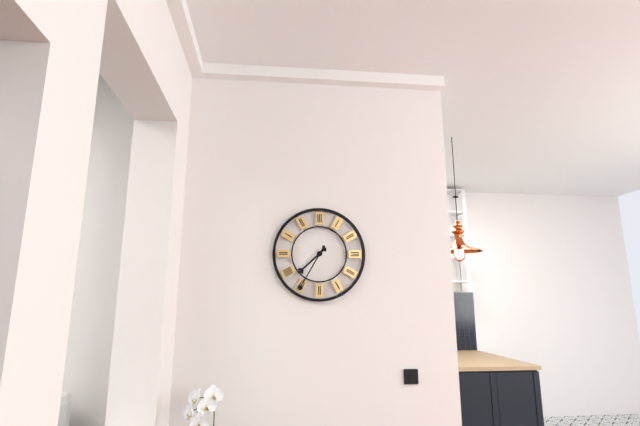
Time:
h=7 m=35
